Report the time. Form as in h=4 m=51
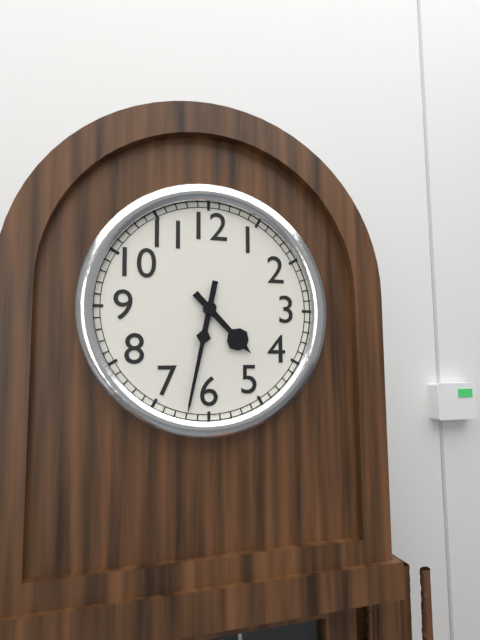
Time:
h=4 m=32
